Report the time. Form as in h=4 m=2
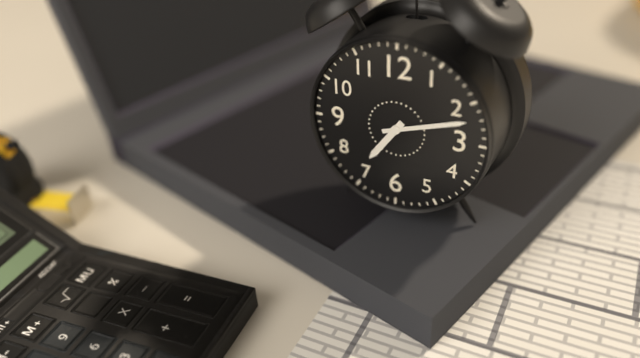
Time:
h=7 m=12
